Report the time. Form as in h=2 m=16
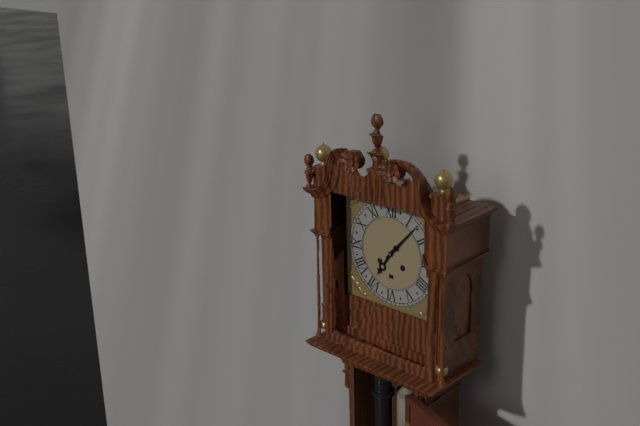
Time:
h=7 m=7
